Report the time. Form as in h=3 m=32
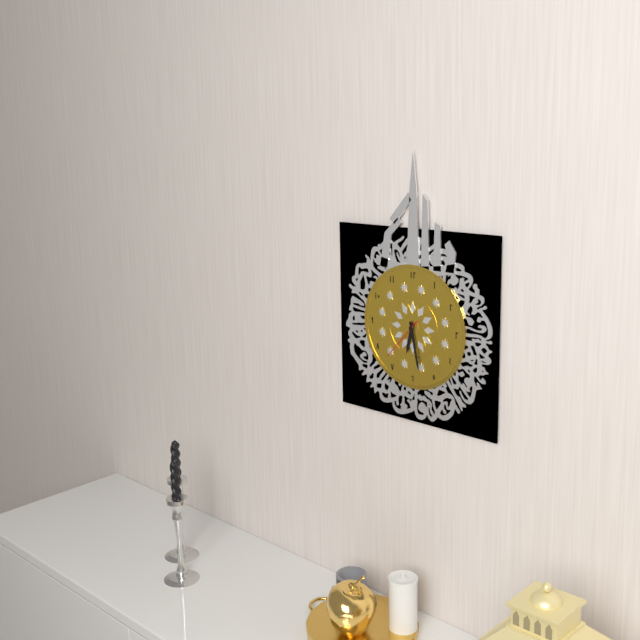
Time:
h=6 m=28
